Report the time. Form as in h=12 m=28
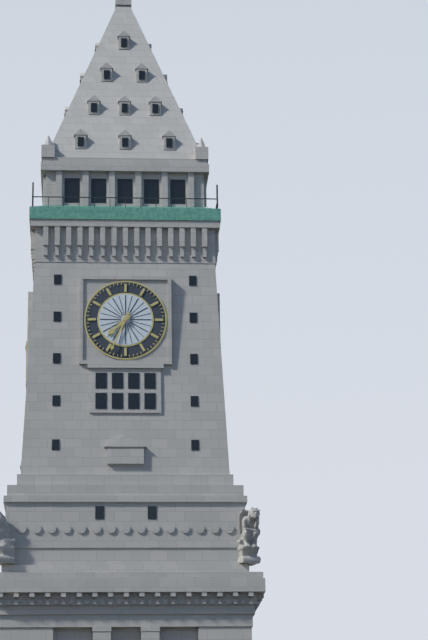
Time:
h=7 m=34
